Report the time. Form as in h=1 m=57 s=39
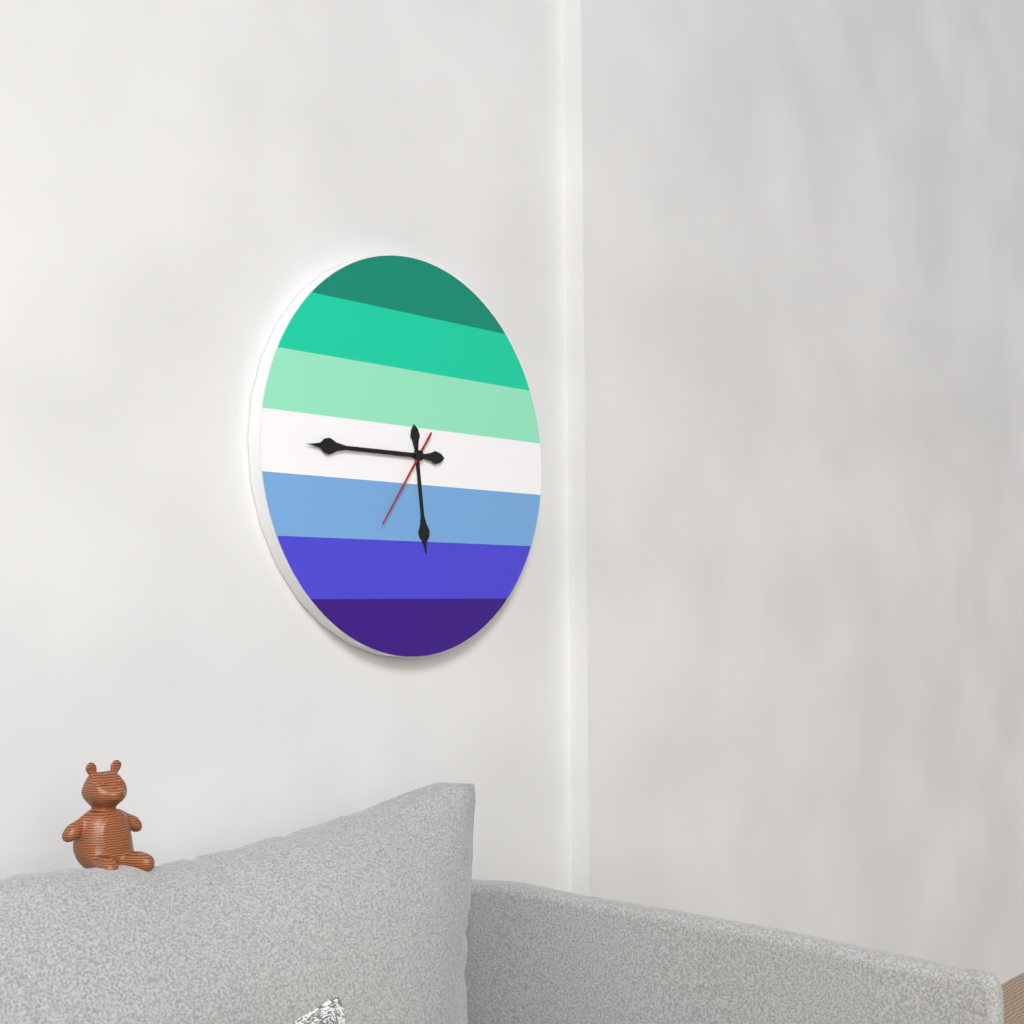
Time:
h=5 m=45 s=36
